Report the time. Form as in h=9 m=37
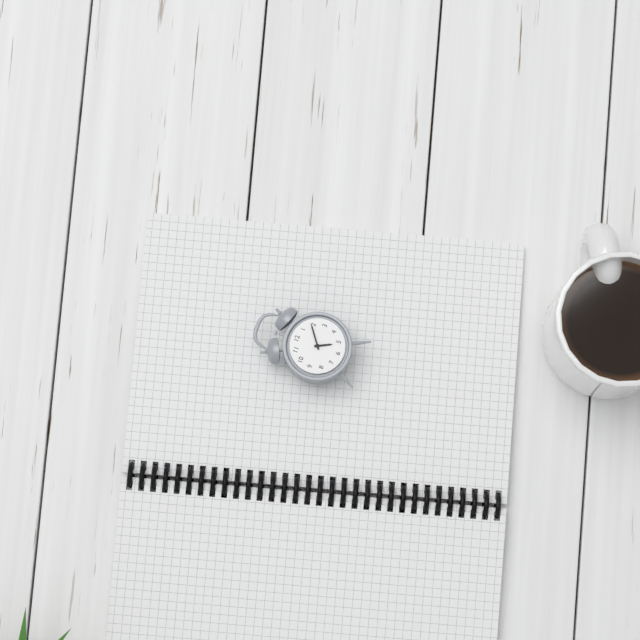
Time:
h=5 m=9
